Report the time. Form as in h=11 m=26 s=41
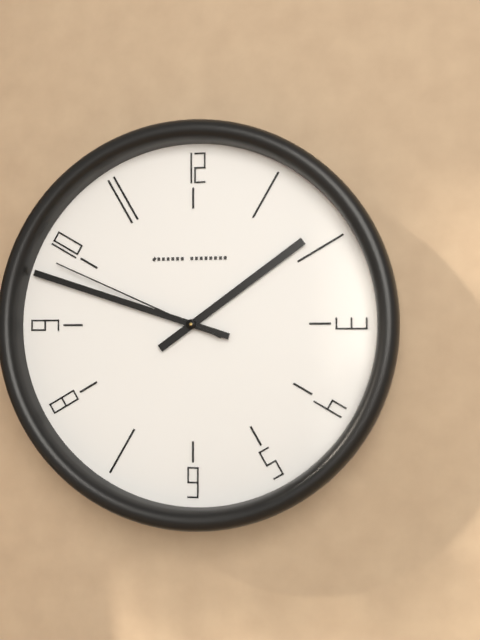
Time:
h=1 m=48 s=49
